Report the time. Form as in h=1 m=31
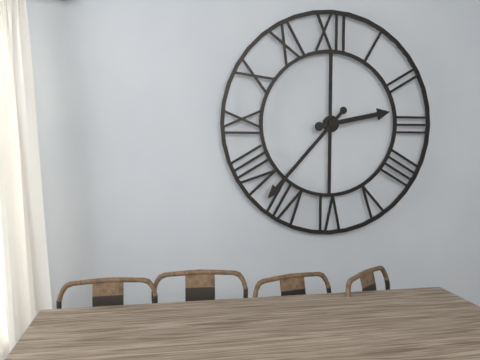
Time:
h=2 m=37
